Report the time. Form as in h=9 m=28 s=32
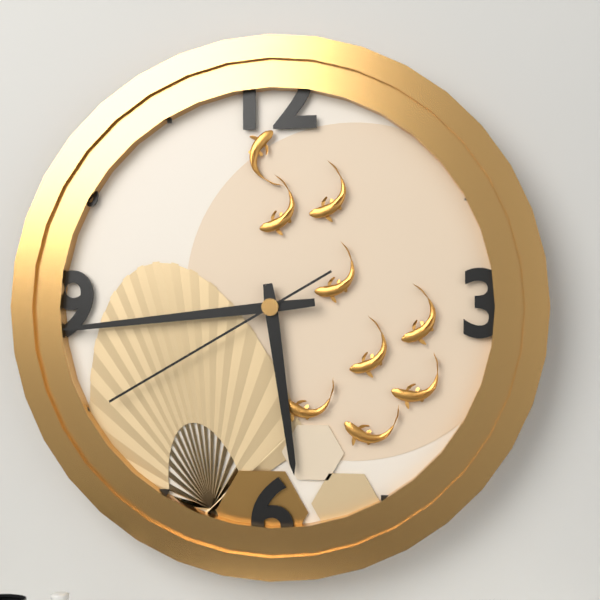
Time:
h=5 m=44 s=40
